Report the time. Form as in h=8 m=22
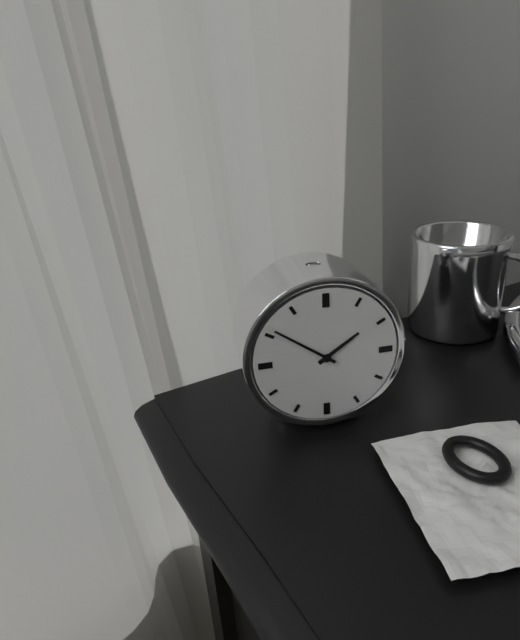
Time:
h=1 m=51
